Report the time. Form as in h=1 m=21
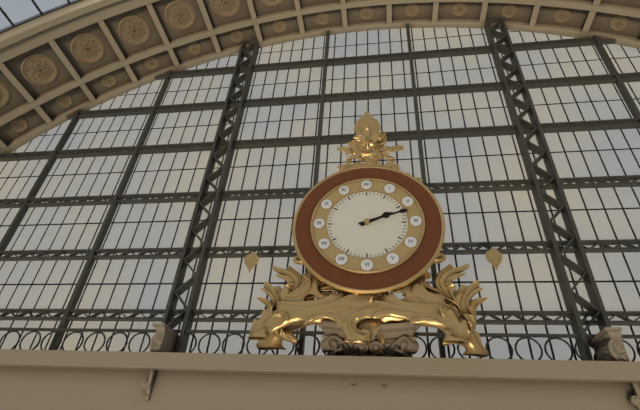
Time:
h=2 m=12
